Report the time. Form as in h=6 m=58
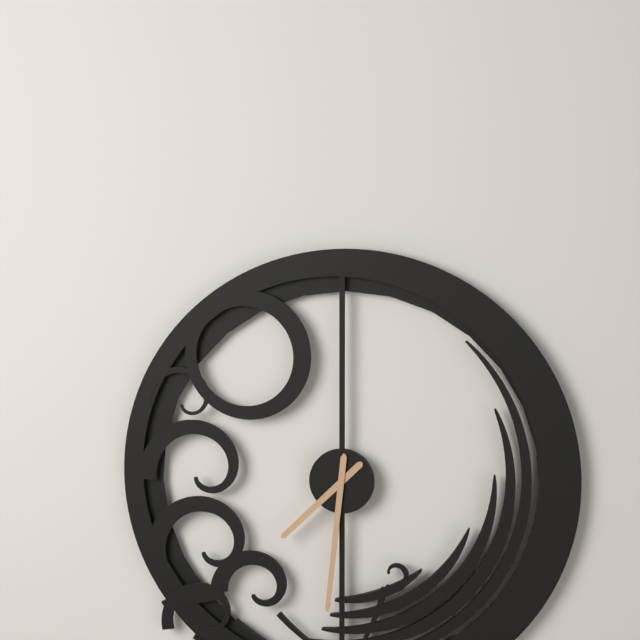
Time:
h=7 m=31
